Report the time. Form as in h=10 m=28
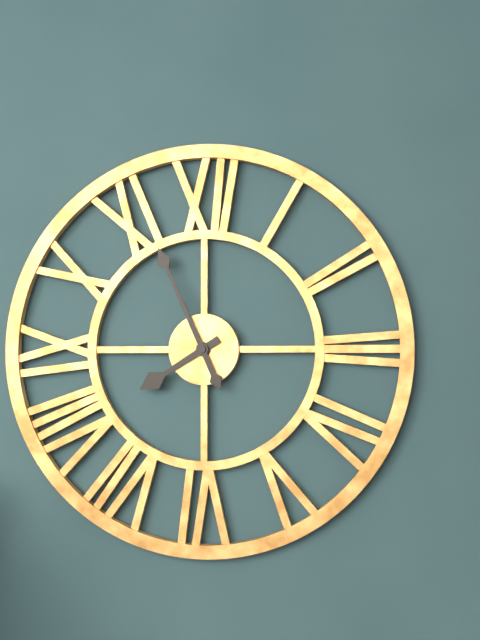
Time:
h=7 m=56
